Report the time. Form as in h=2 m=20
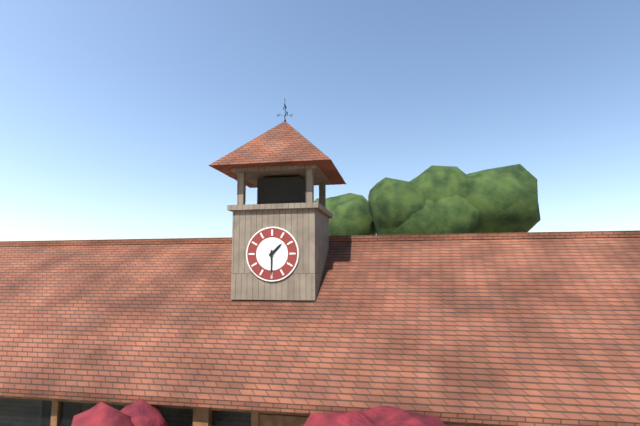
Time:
h=1 m=30
